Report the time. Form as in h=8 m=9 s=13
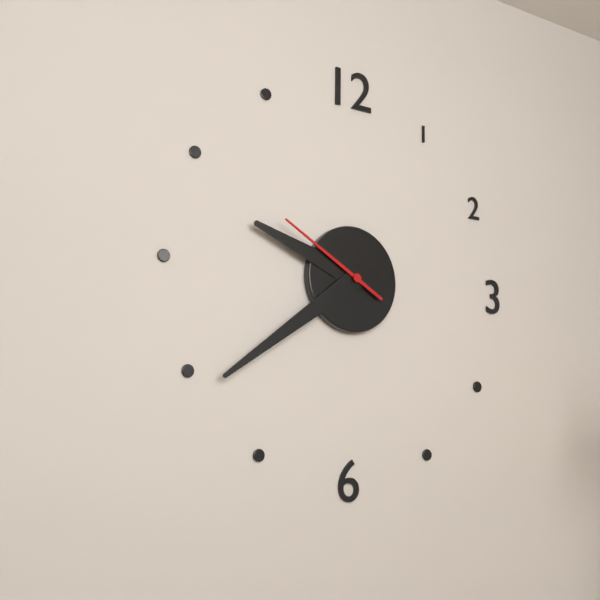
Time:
h=9 m=39 s=50
